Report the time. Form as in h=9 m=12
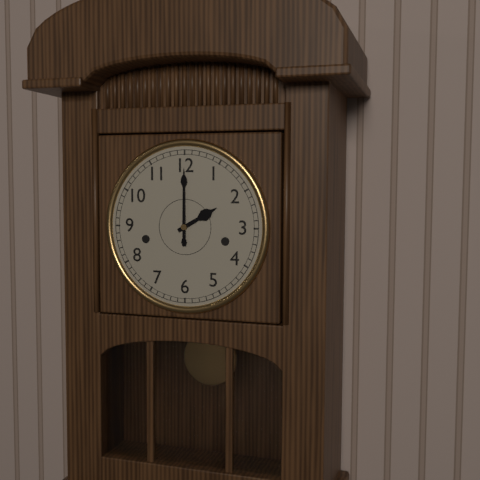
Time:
h=2 m=0
